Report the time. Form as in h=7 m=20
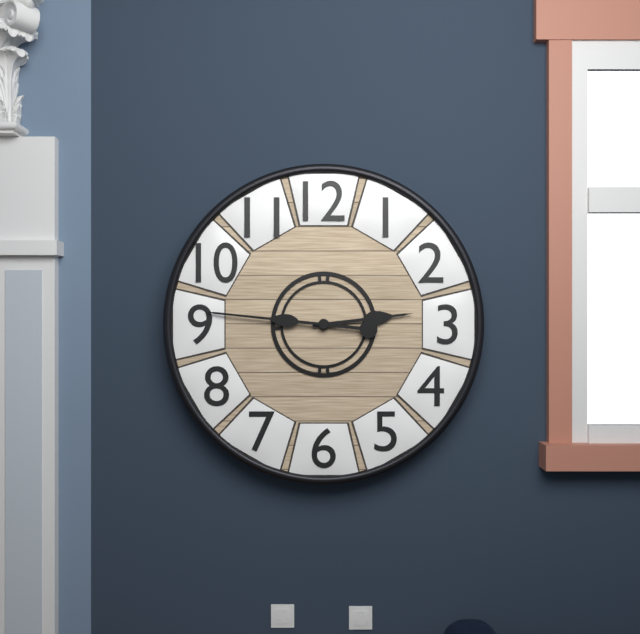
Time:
h=2 m=46
